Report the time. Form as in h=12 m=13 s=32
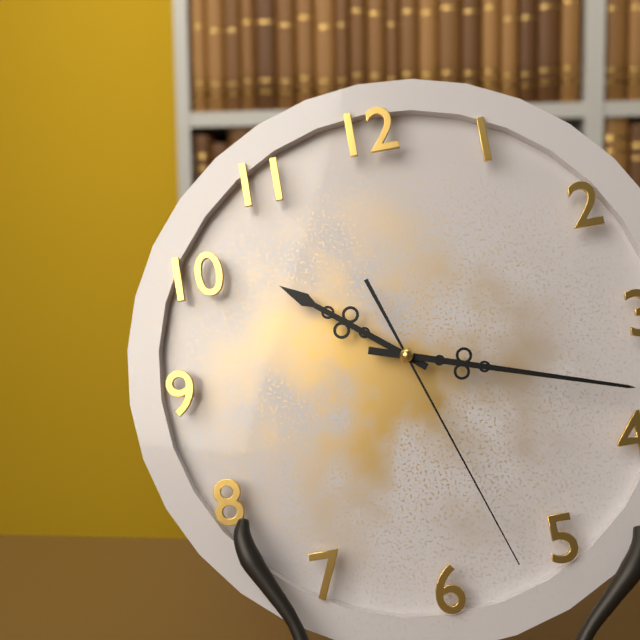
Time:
h=10 m=18 s=27
